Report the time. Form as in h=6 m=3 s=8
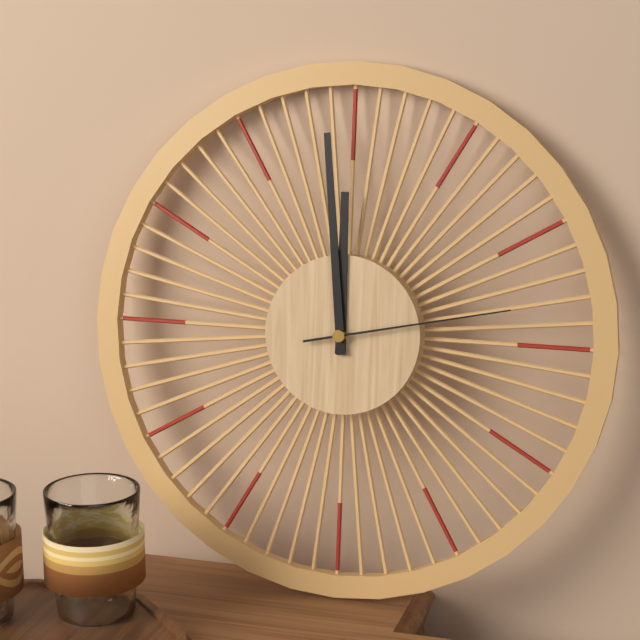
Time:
h=11 m=59 s=13
